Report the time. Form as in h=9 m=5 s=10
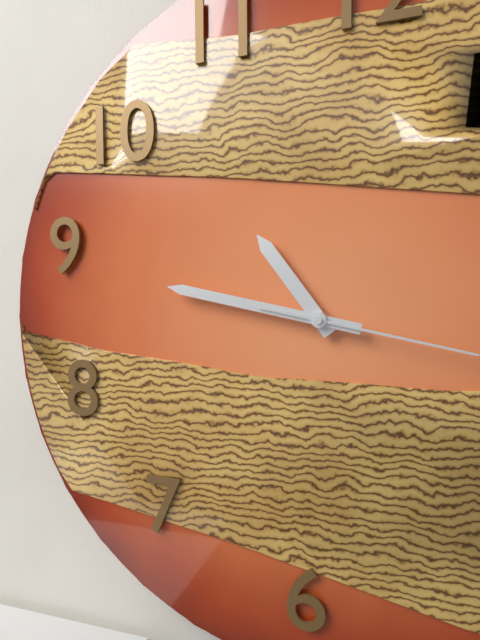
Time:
h=10 m=47 s=17
